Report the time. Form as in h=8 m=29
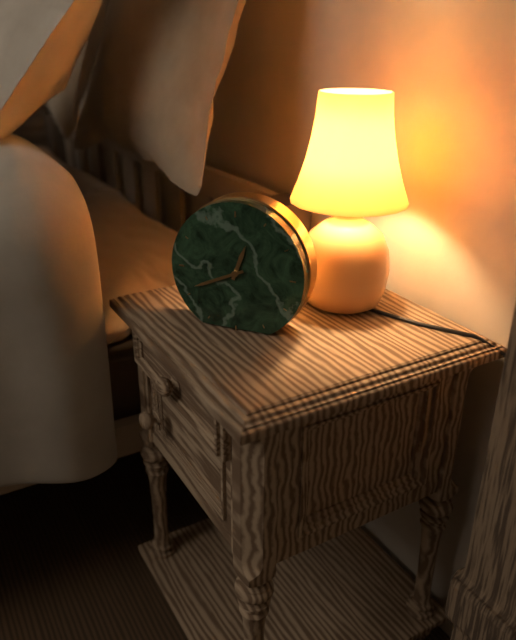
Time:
h=12 m=41
